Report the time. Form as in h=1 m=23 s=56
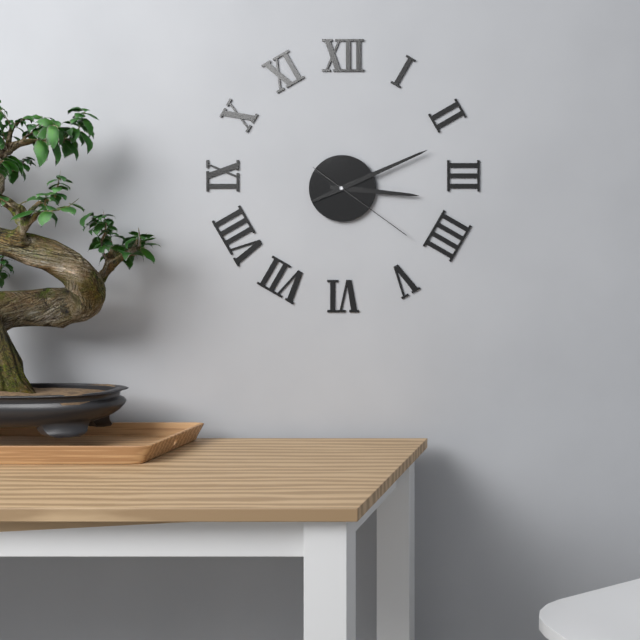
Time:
h=3 m=11 s=21
